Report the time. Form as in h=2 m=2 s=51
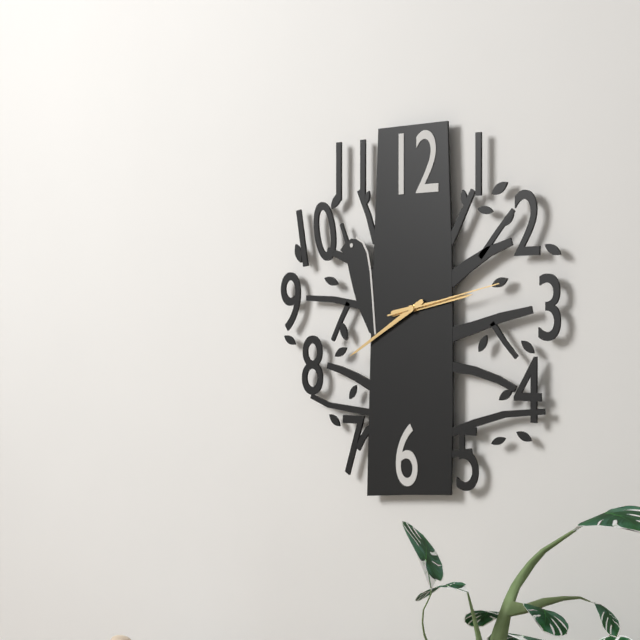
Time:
h=2 m=40 s=13
